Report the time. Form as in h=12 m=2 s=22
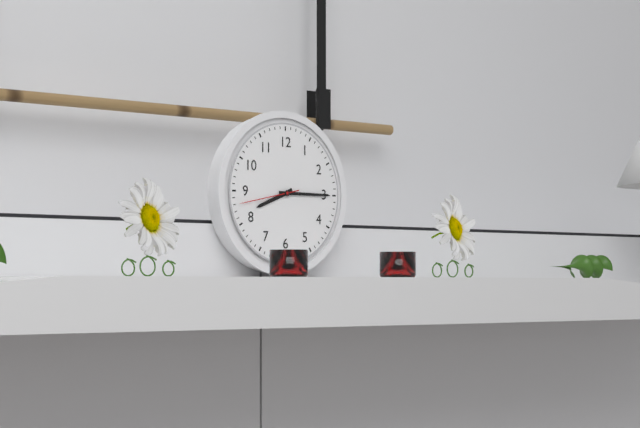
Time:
h=8 m=15 s=43
